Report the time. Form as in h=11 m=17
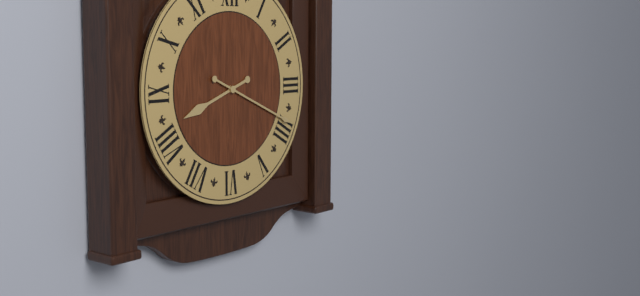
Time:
h=8 m=19
